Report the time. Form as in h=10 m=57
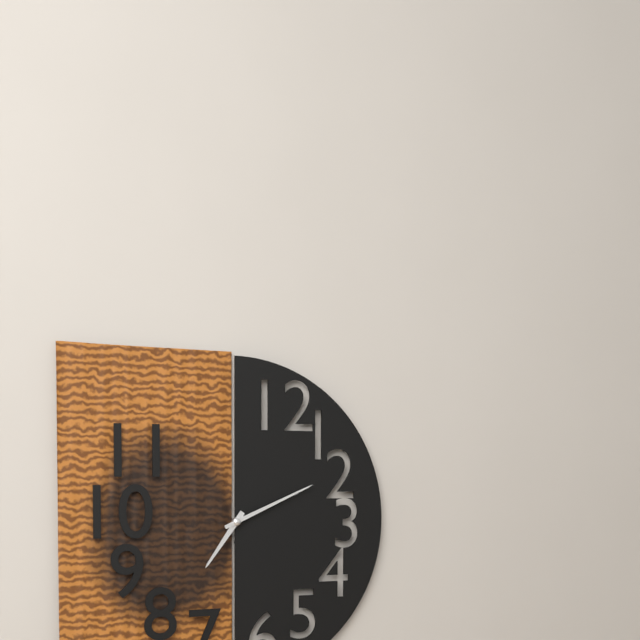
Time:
h=7 m=11
